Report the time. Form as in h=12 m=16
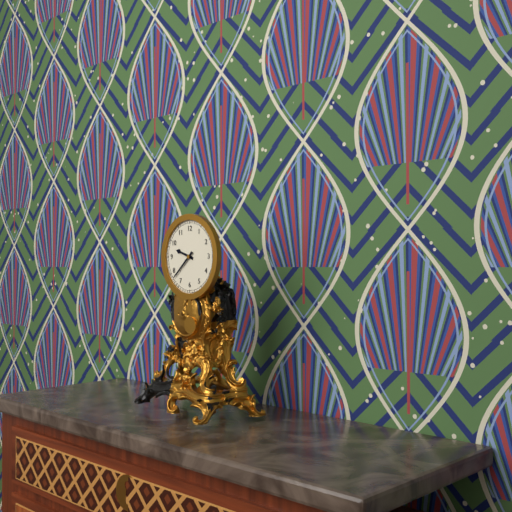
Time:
h=9 m=38
